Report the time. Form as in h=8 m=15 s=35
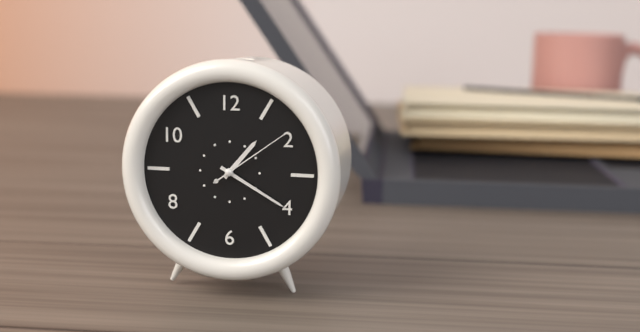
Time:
h=1 m=20 s=9
